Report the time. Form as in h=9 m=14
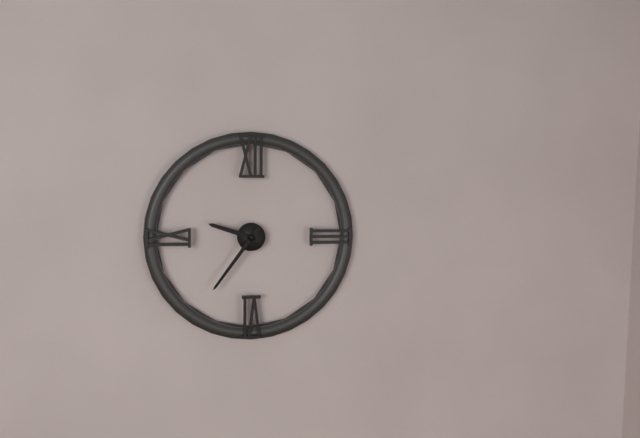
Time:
h=9 m=36
